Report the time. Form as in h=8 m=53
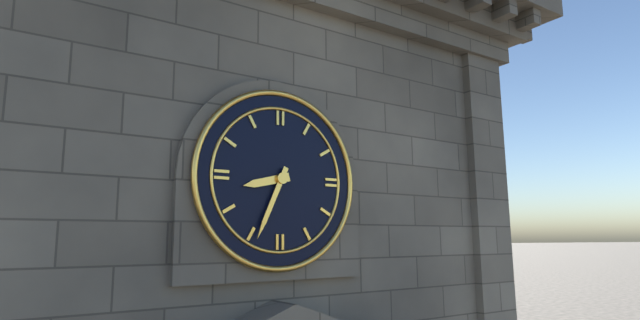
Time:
h=8 m=34
